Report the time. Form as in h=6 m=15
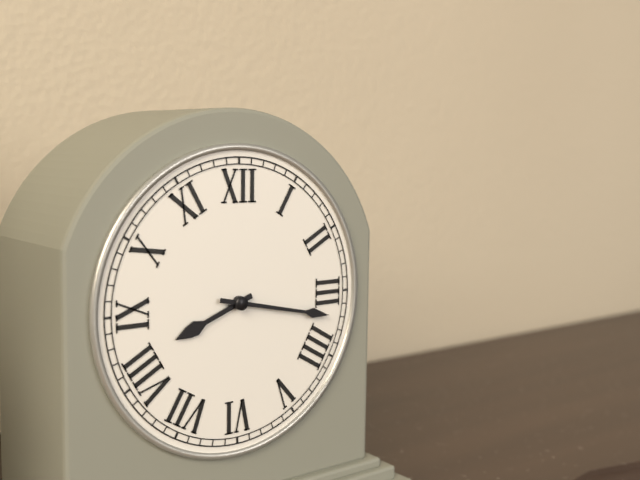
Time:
h=8 m=17
